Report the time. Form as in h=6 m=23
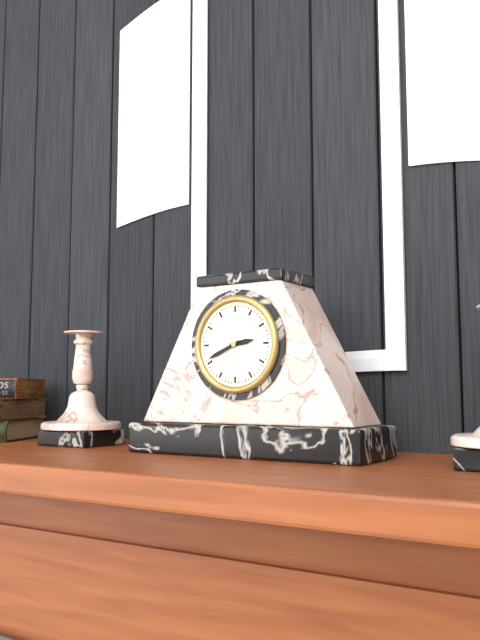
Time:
h=2 m=41
